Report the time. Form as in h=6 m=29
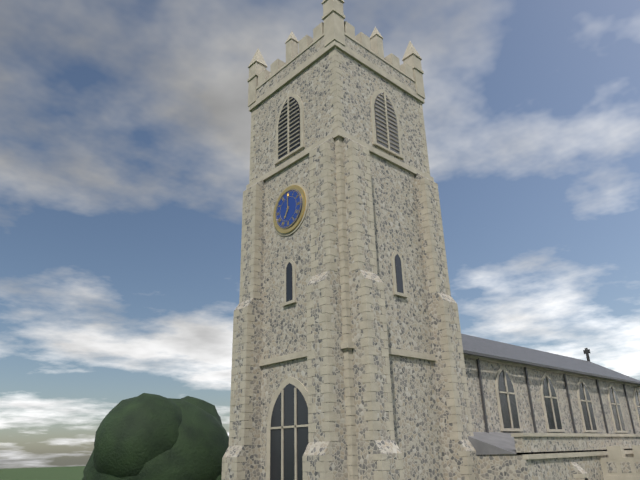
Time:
h=7 m=0
